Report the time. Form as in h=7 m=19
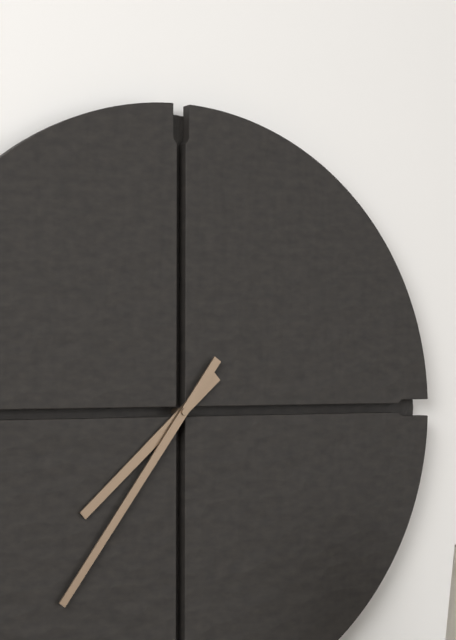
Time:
h=7 m=36
